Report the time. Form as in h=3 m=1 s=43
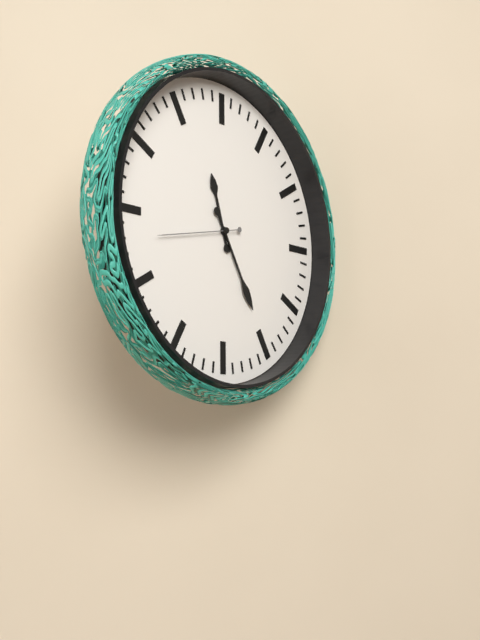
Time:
h=11 m=25 s=43
